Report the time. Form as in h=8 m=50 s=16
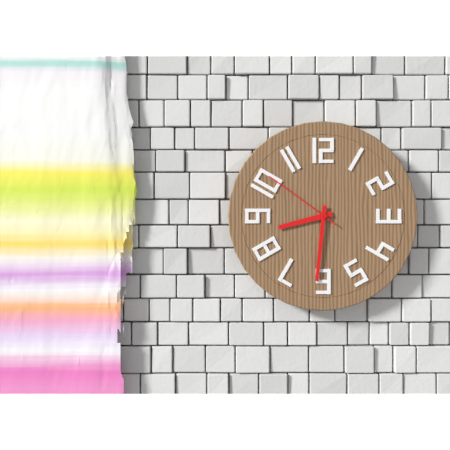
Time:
h=8 m=31 s=51
